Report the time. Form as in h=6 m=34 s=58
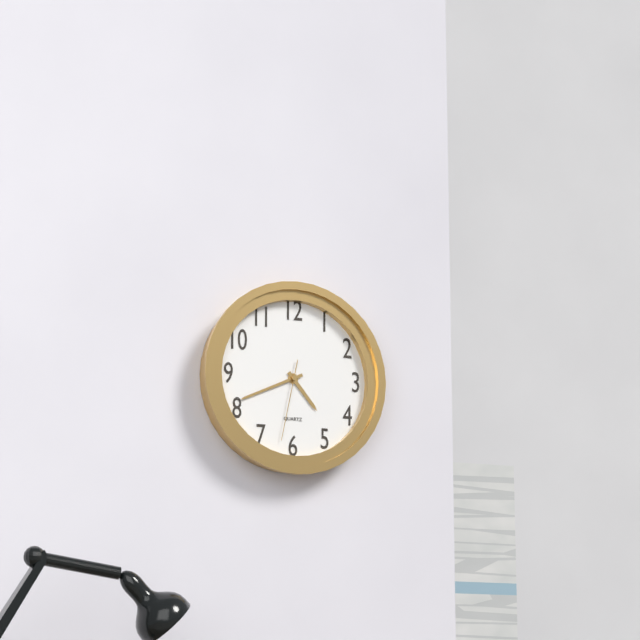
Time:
h=4 m=41 s=32
